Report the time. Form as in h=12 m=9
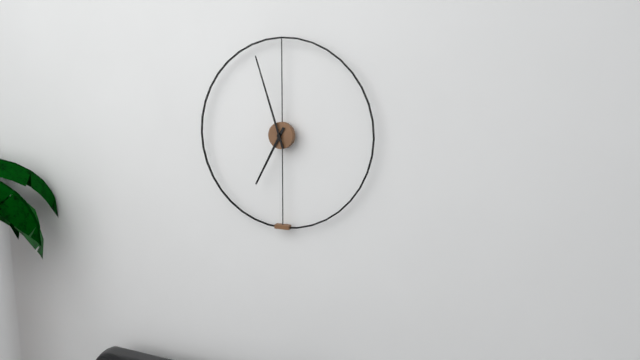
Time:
h=6 m=57
